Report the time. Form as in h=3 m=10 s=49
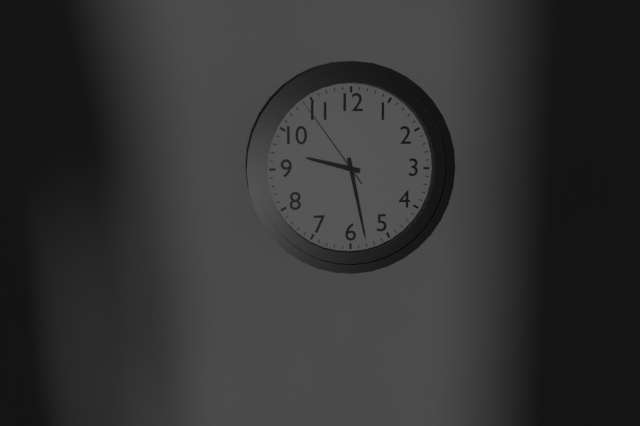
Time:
h=9 m=28 s=54
